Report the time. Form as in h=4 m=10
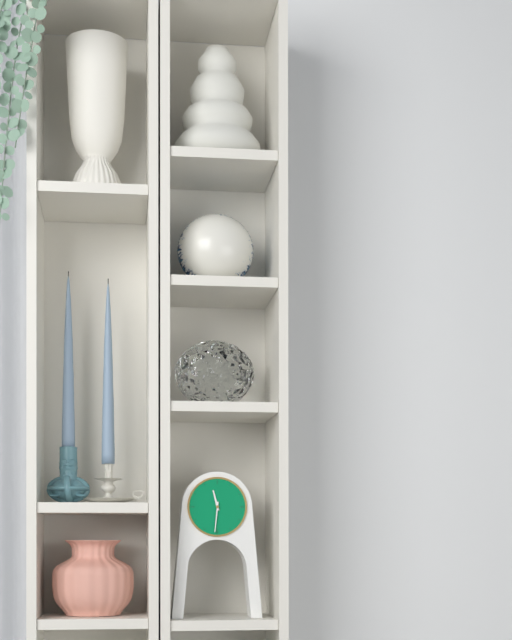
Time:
h=11 m=31
